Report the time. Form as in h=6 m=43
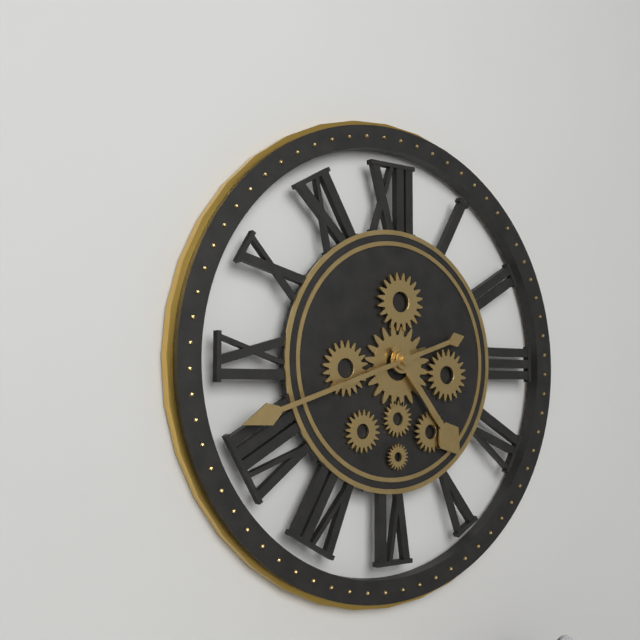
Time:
h=4 m=42
